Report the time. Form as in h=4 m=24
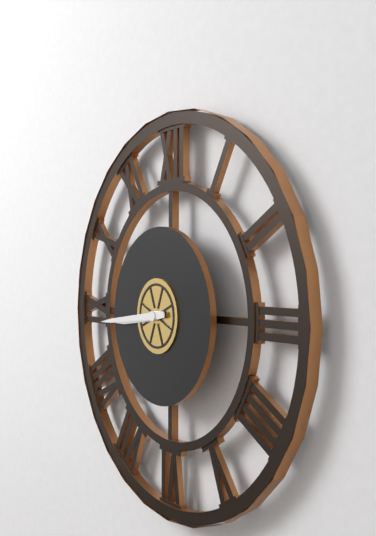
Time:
h=8 m=44
